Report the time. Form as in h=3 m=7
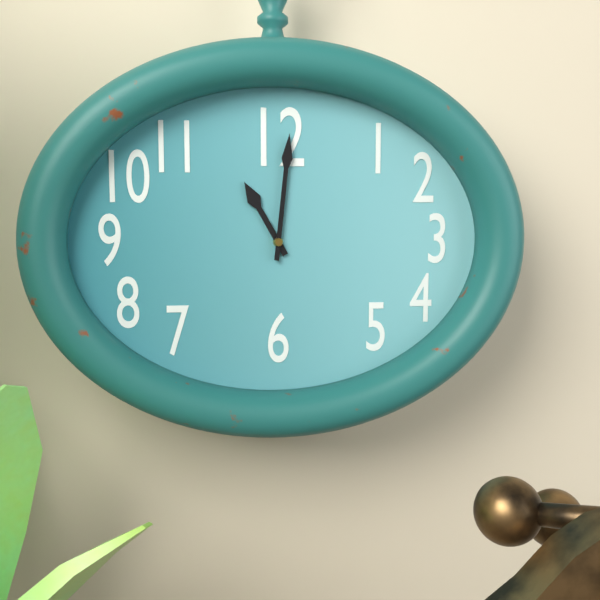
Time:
h=11 m=1
